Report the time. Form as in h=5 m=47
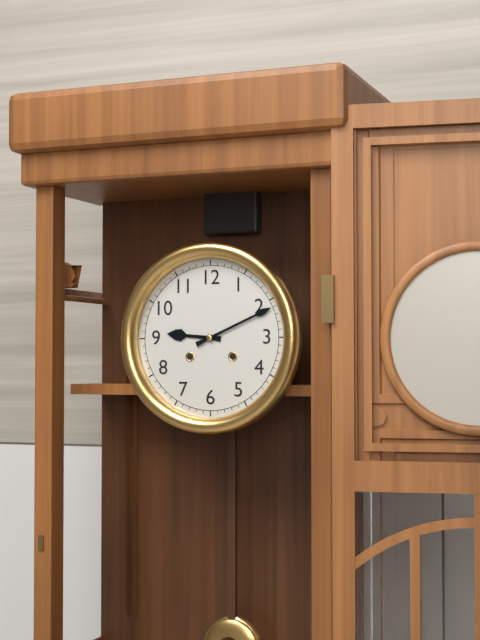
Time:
h=9 m=11
